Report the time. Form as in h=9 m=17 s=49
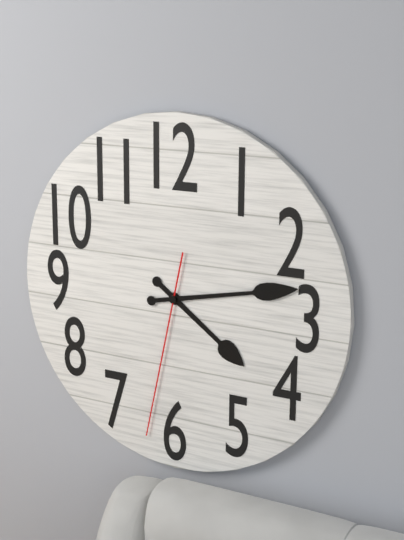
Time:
h=4 m=13 s=32
